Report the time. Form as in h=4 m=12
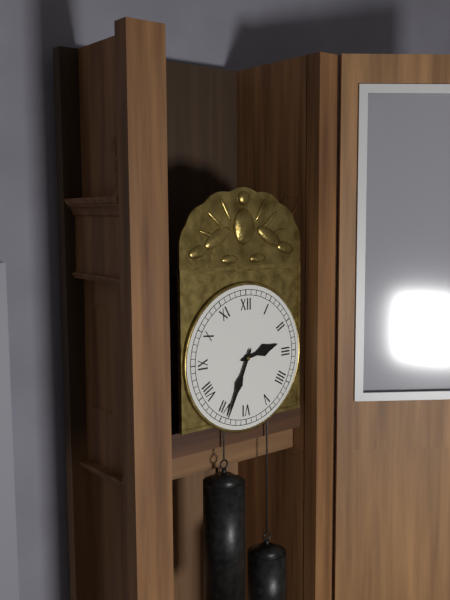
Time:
h=2 m=34
